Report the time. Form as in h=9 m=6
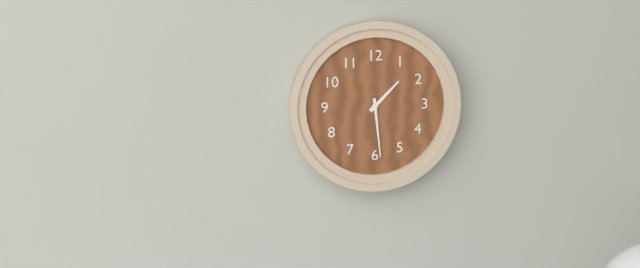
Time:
h=1 m=29
